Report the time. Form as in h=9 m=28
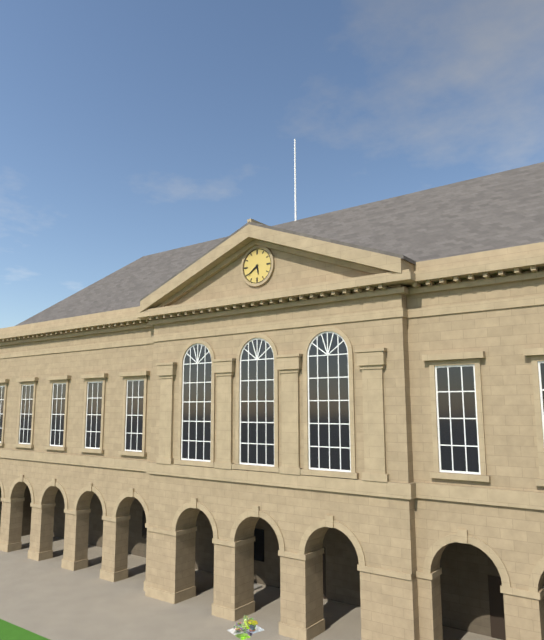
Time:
h=5 m=39
